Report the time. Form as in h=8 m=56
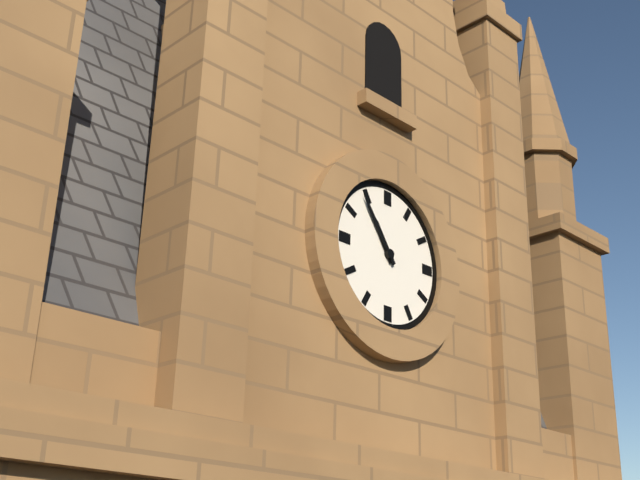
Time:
h=10 m=54
